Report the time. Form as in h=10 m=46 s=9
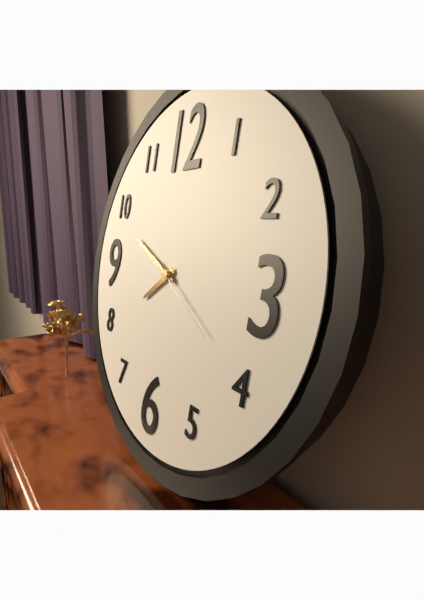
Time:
h=7 m=49 s=20
